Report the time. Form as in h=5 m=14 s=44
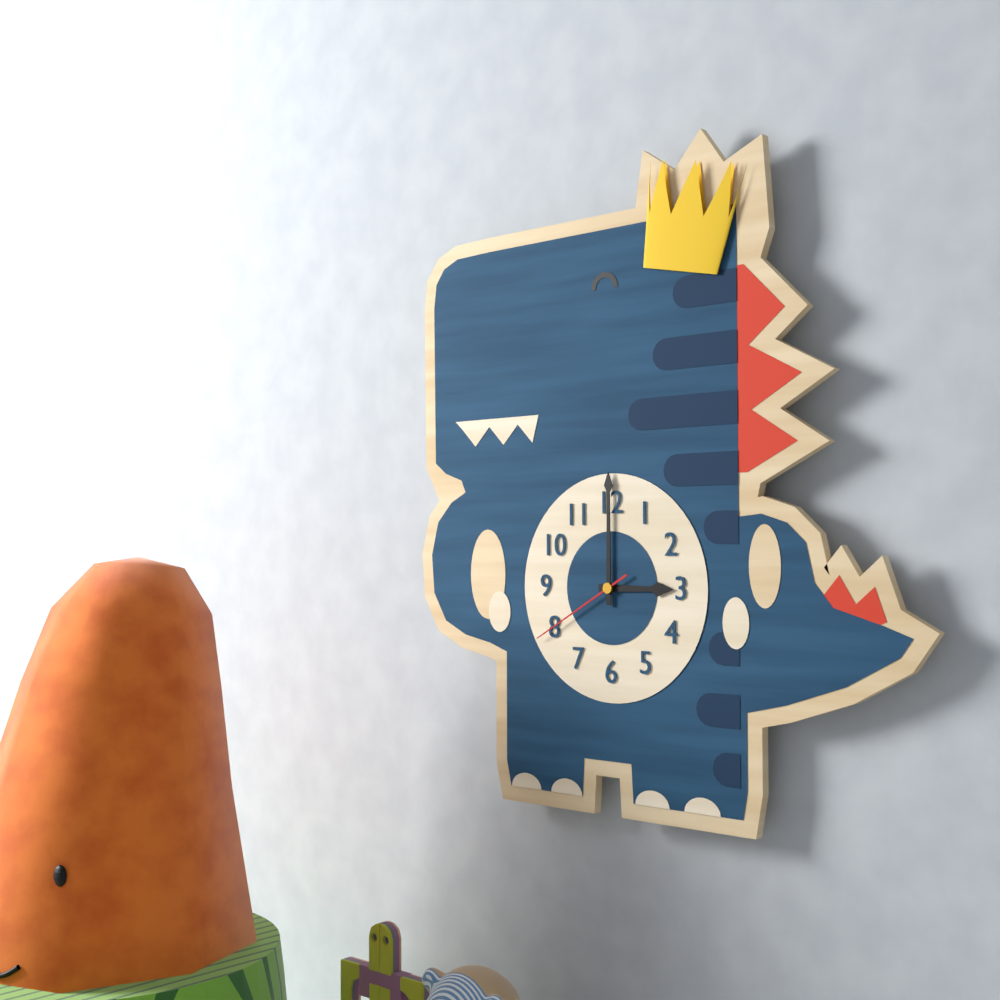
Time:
h=3 m=0 s=40
